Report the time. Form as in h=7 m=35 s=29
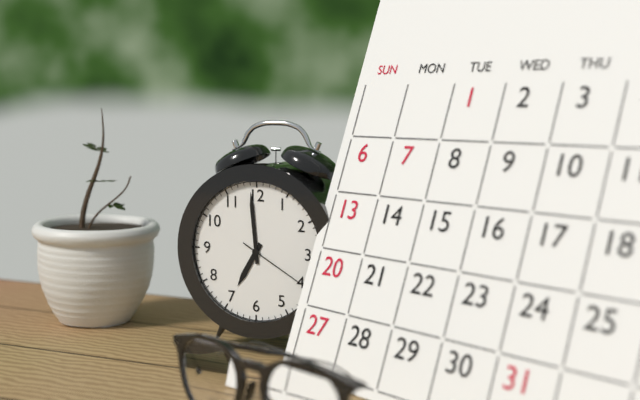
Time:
h=6 m=59 s=20
